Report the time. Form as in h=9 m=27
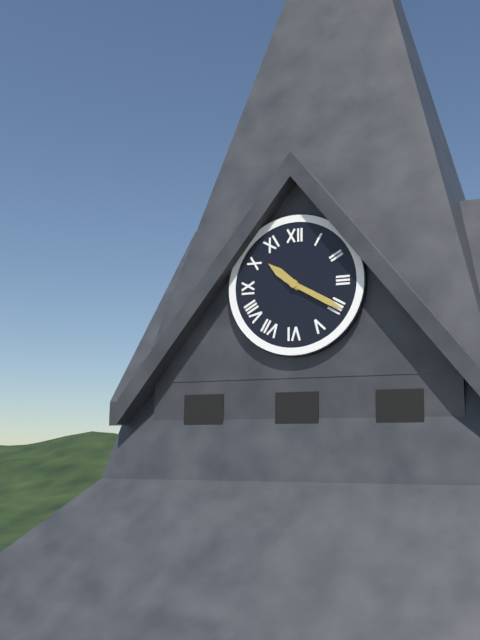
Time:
h=10 m=20
